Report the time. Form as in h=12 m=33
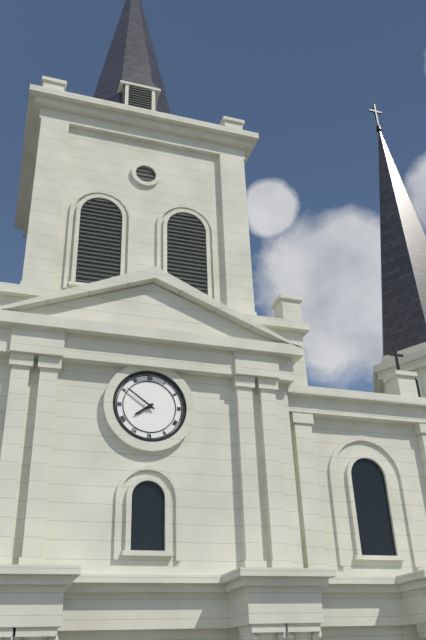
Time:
h=7 m=51
